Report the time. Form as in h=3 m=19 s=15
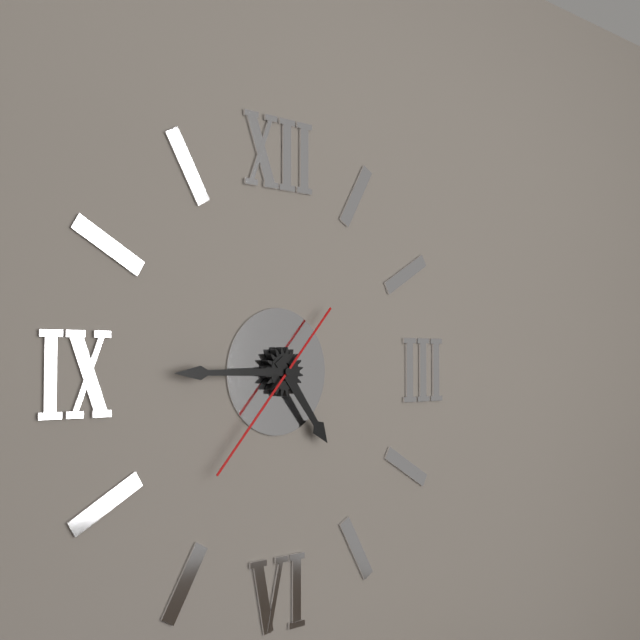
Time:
h=4 m=45 s=37
